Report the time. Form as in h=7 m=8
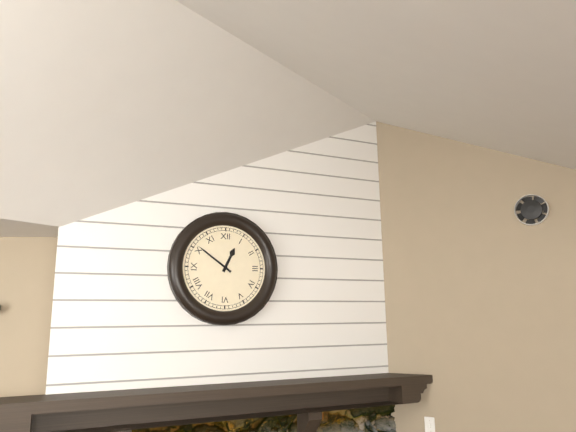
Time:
h=12 m=51
